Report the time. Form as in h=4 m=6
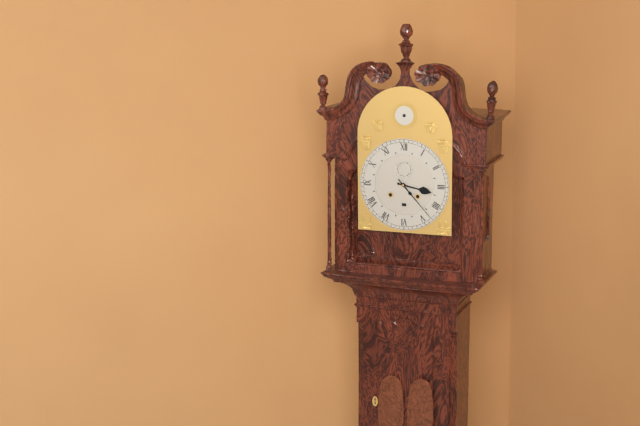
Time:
h=3 m=23
